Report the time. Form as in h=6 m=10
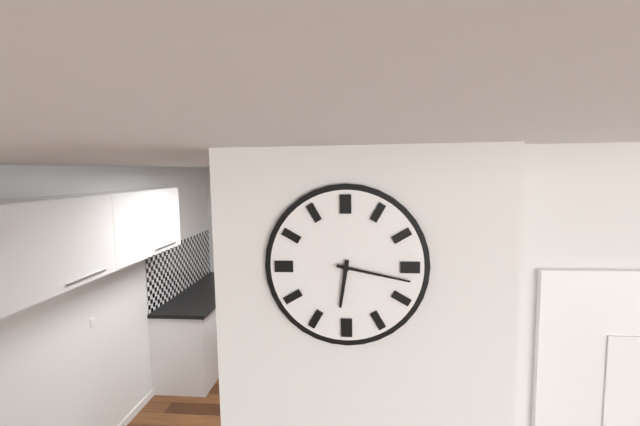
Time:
h=6 m=17
